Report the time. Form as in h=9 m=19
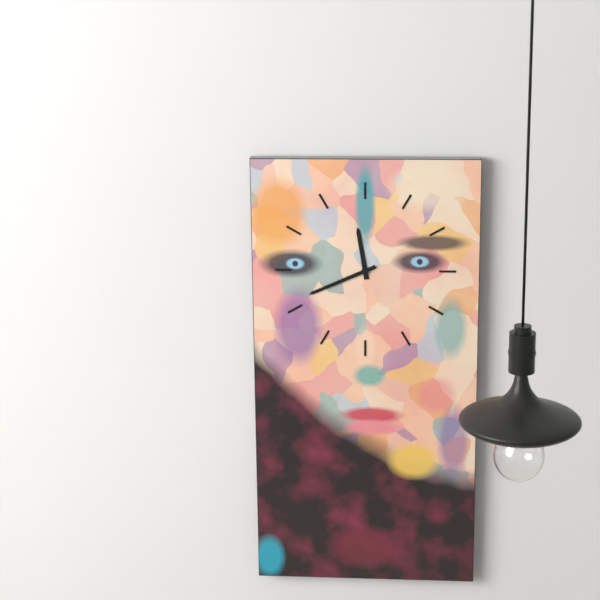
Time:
h=11 m=41
